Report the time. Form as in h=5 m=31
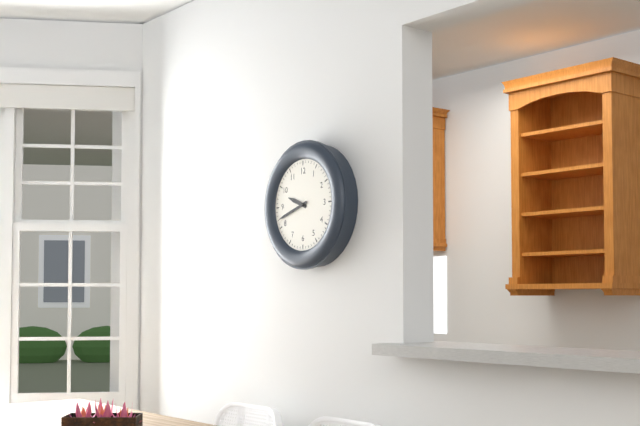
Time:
h=9 m=42
